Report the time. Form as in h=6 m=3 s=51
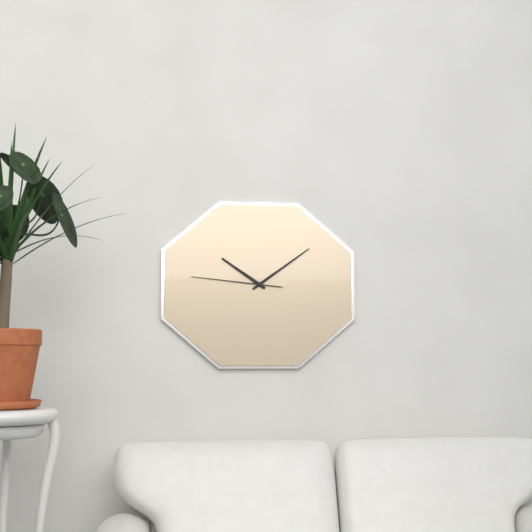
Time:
h=10 m=9 s=46
